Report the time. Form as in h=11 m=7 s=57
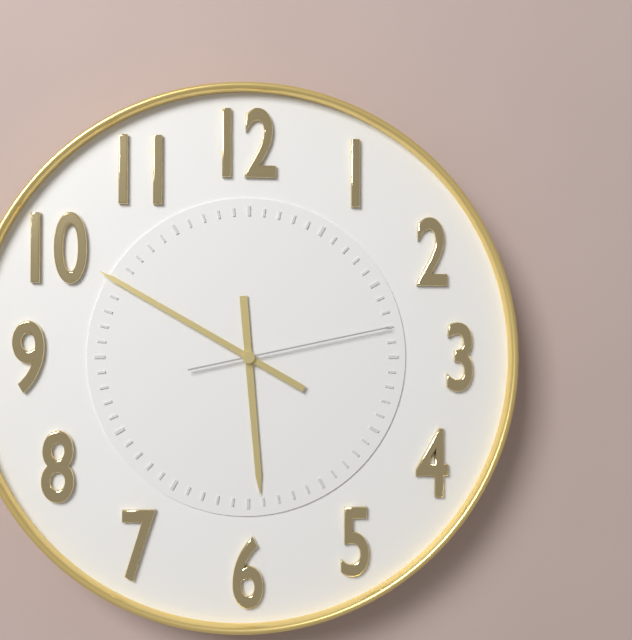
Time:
h=5 m=50 s=13
